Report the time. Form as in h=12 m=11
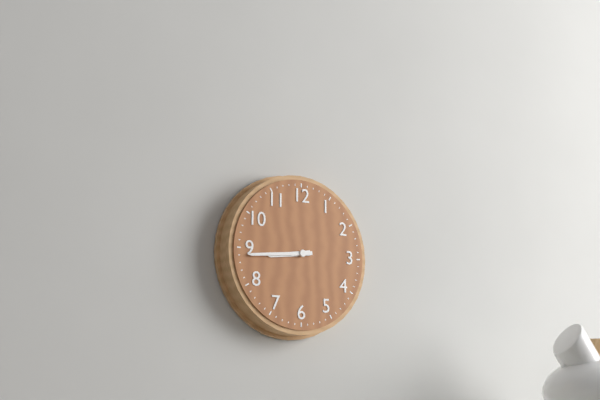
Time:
h=8 m=44
